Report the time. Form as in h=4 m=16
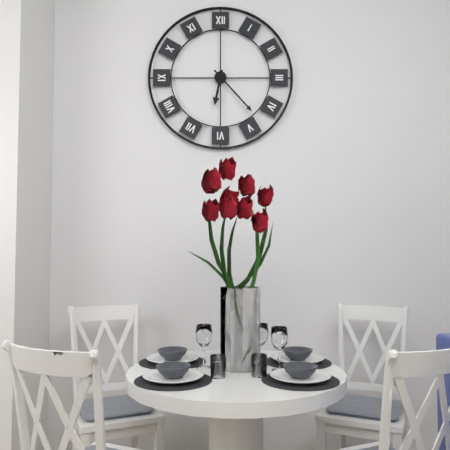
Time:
h=6 m=23
